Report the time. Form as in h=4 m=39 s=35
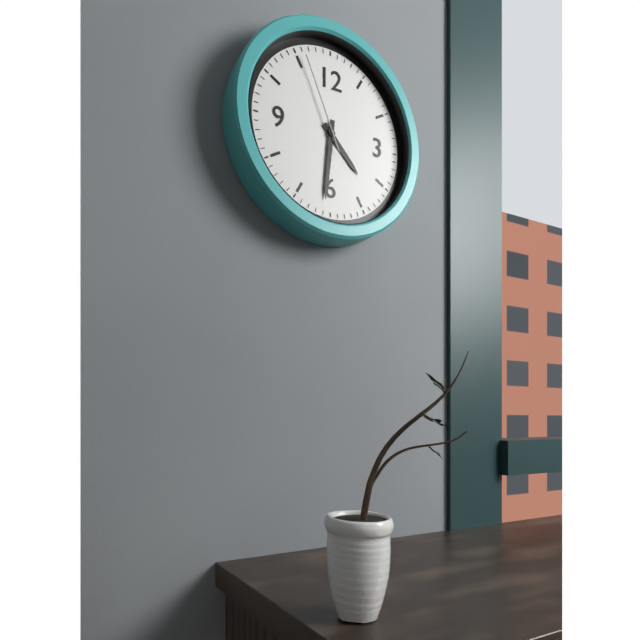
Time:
h=4 m=31 s=56
